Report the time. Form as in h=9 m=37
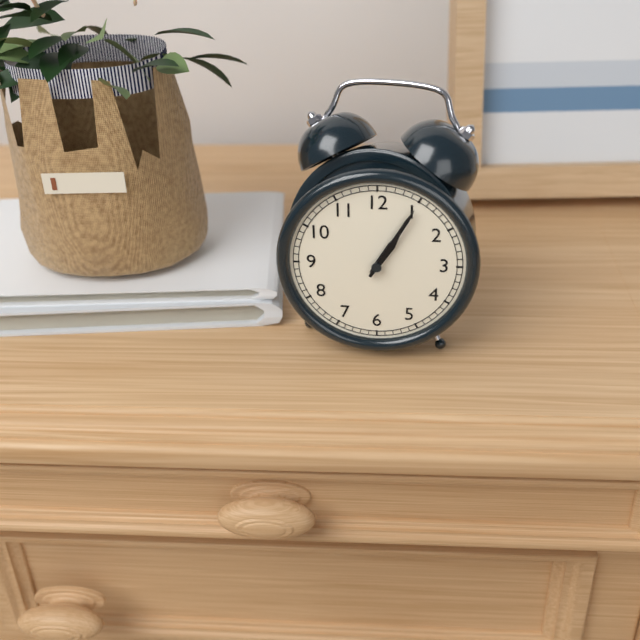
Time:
h=1 m=5
